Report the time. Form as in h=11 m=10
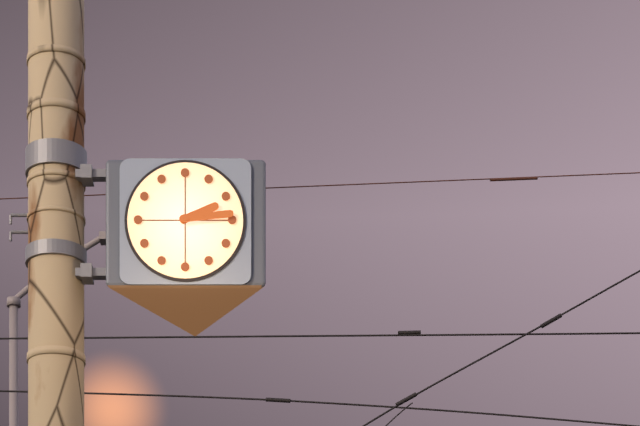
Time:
h=2 m=14
